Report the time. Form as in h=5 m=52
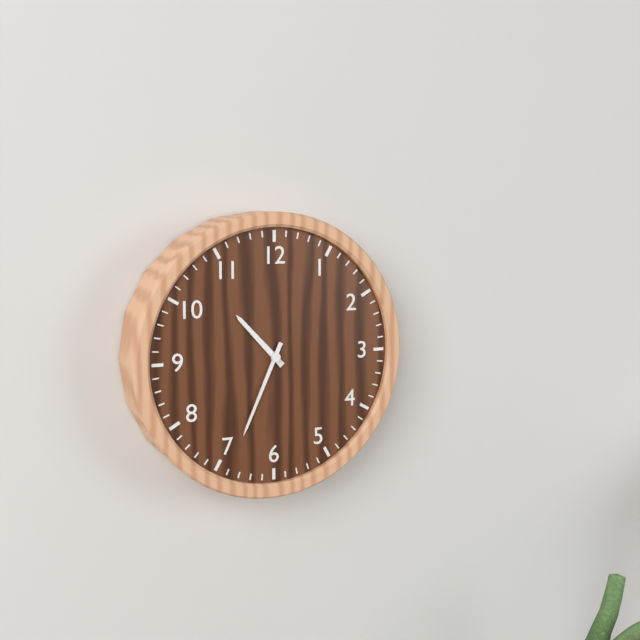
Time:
h=10 m=34
